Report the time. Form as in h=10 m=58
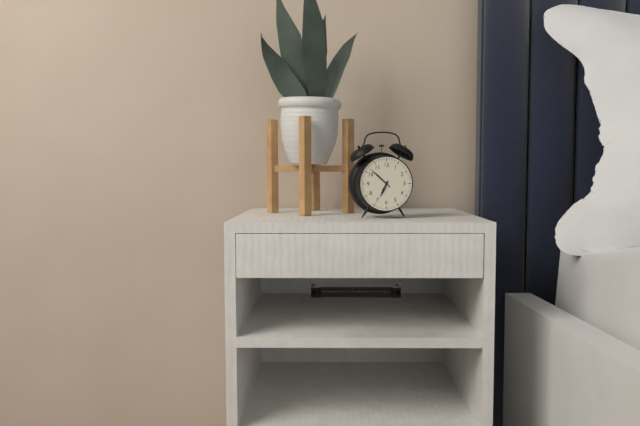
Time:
h=6 m=52
